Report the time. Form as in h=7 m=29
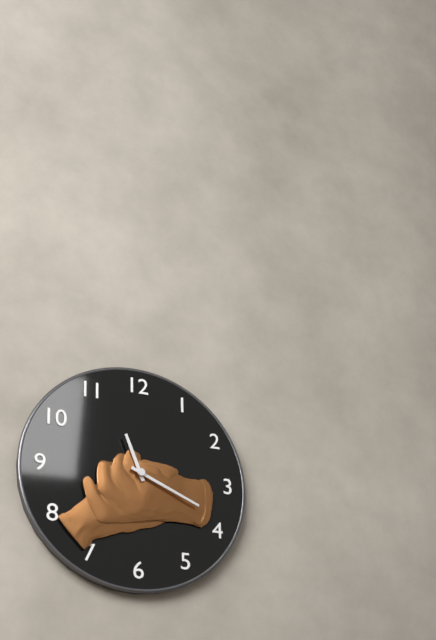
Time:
h=11 m=19
